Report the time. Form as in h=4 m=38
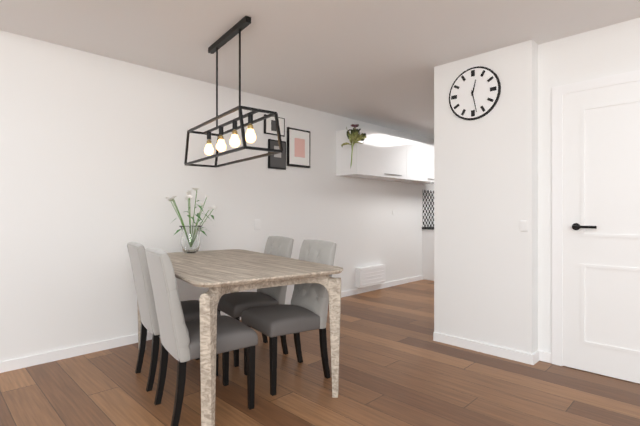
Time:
h=12 m=28
